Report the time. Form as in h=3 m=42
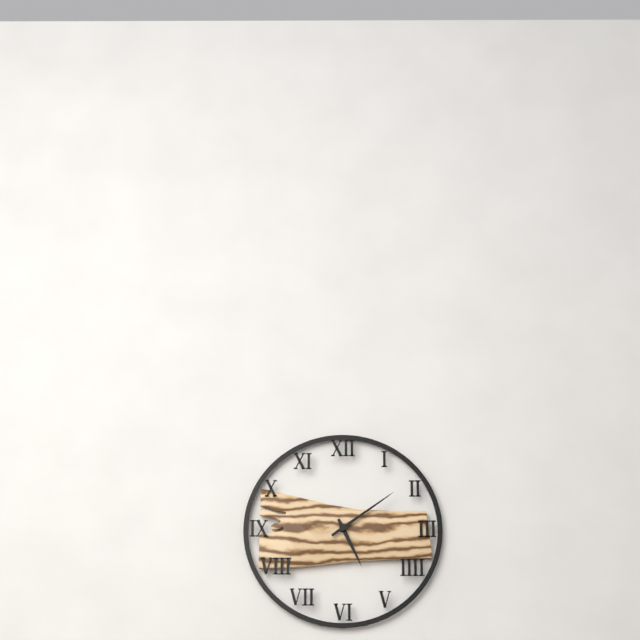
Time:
h=5 m=9
